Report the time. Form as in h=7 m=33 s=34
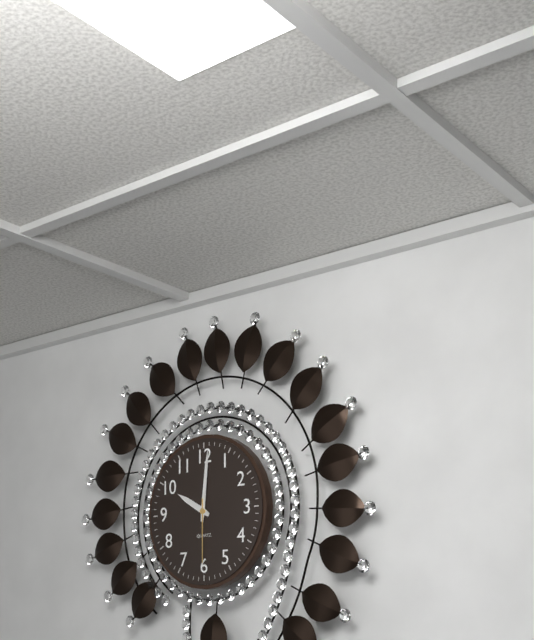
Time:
h=10 m=1 s=30
